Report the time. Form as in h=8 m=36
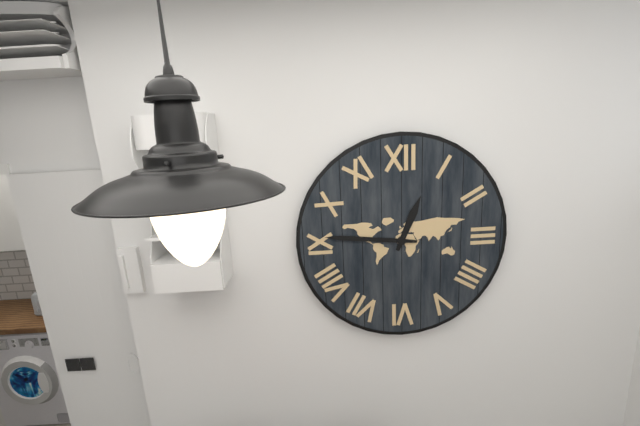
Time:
h=12 m=46
